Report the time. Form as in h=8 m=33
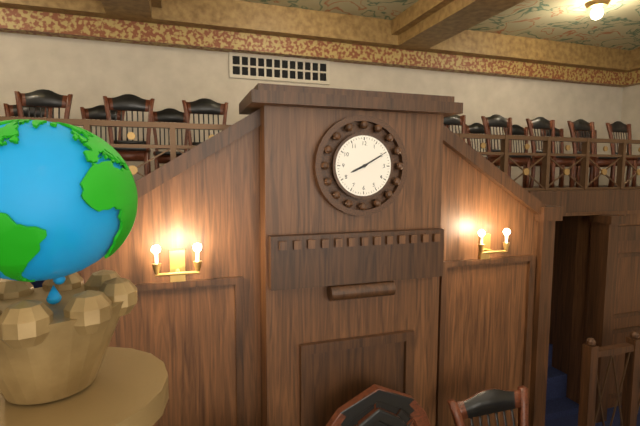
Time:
h=8 m=10
